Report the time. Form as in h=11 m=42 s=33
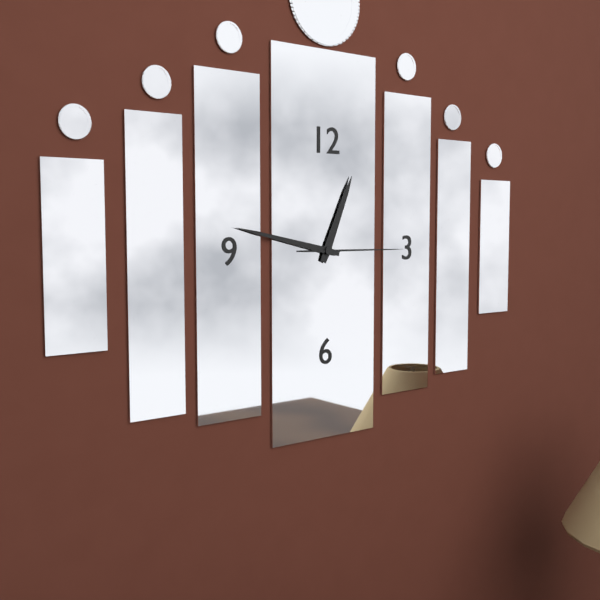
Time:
h=12 m=47 s=15
